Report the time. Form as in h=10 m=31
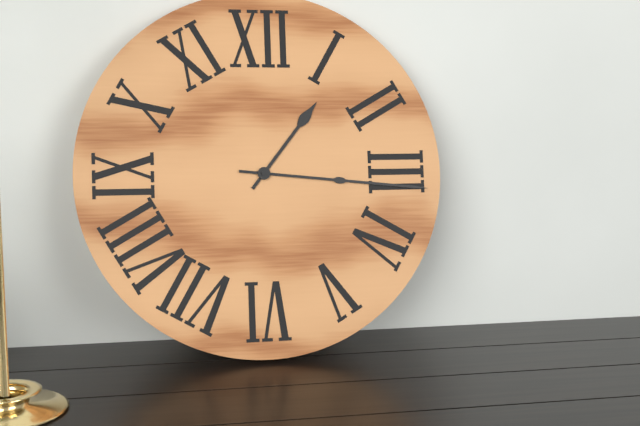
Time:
h=1 m=16
